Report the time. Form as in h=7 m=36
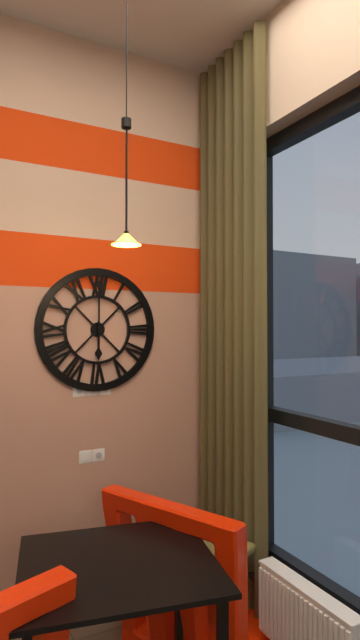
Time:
h=6 m=0
